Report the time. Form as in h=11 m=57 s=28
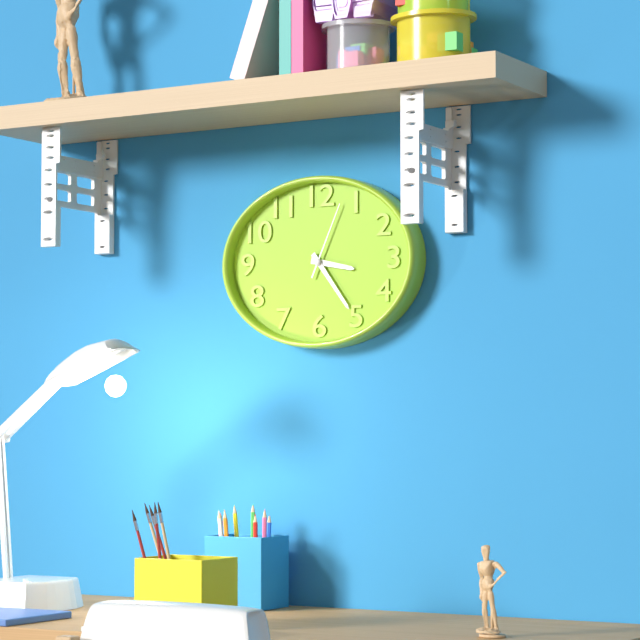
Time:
h=3 m=24 s=4
